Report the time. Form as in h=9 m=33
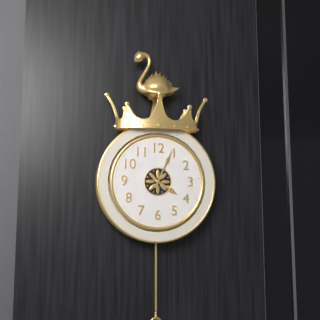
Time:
h=4 m=4
